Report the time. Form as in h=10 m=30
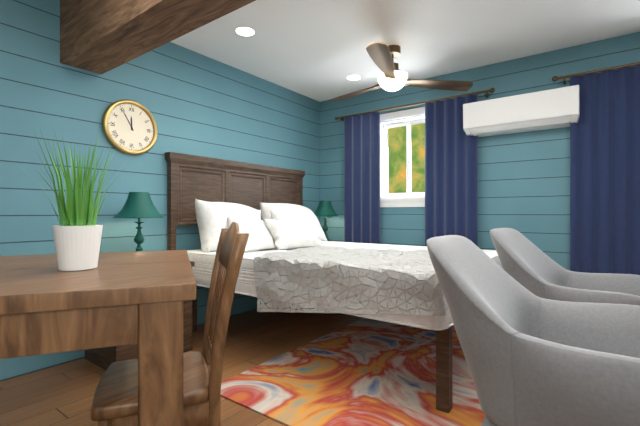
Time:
h=11 m=55
